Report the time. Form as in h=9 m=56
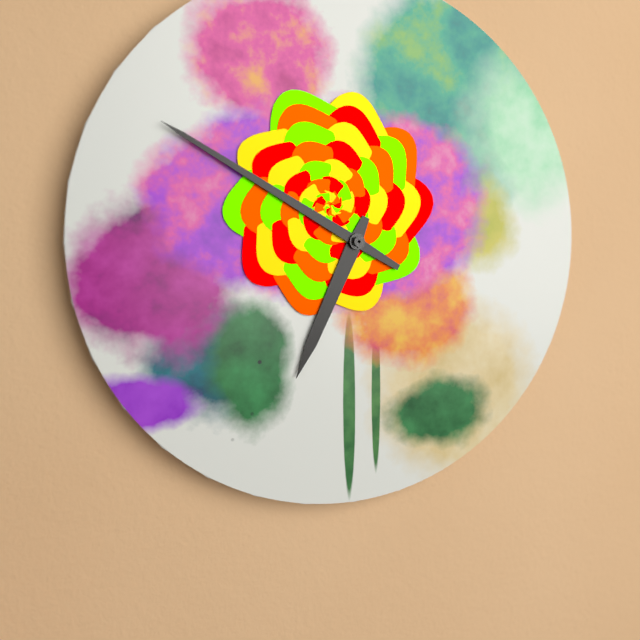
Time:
h=6 m=50
